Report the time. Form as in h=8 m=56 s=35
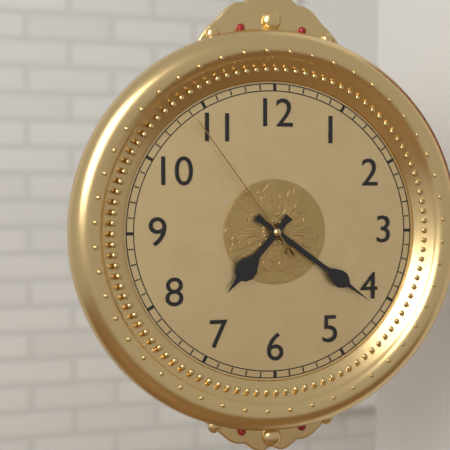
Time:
h=7 m=21 s=54
